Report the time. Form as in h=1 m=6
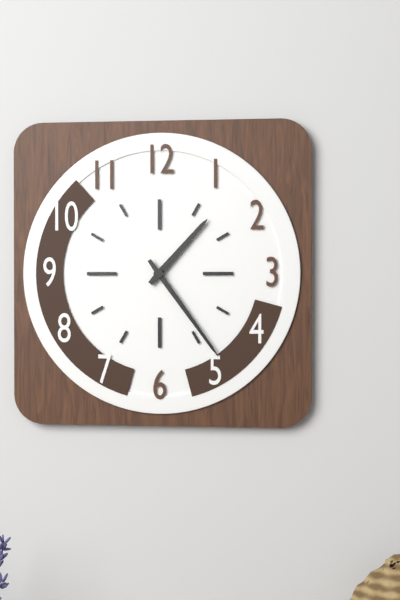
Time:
h=1 m=24
